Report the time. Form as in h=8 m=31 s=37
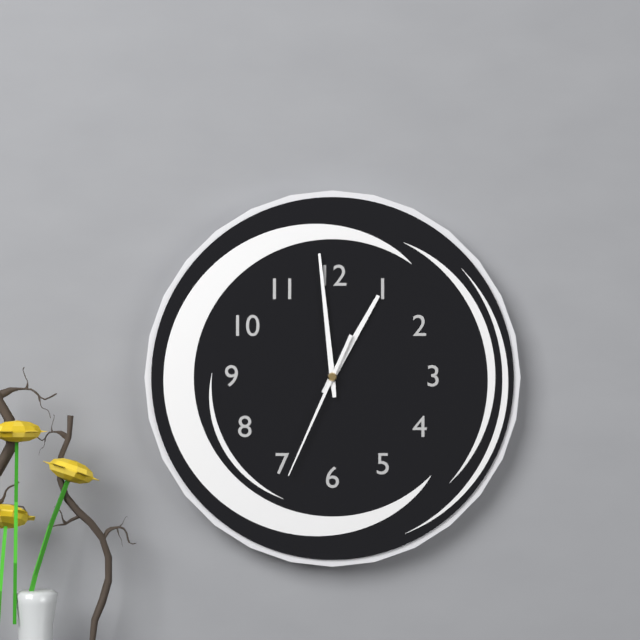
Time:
h=12 m=59 s=34
